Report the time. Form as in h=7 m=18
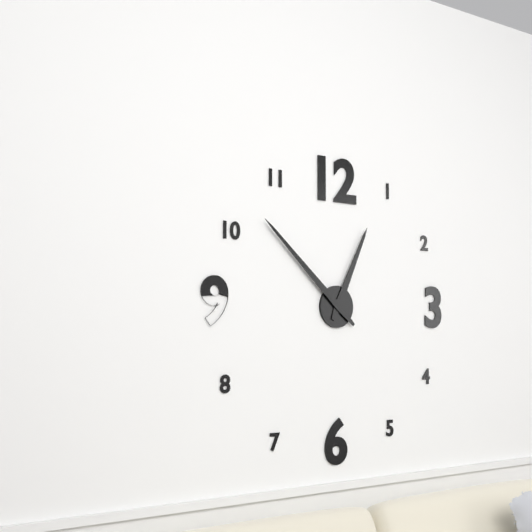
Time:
h=12 m=52
